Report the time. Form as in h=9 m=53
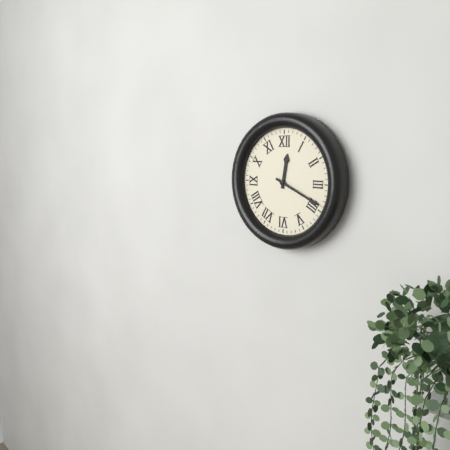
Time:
h=12 m=19
